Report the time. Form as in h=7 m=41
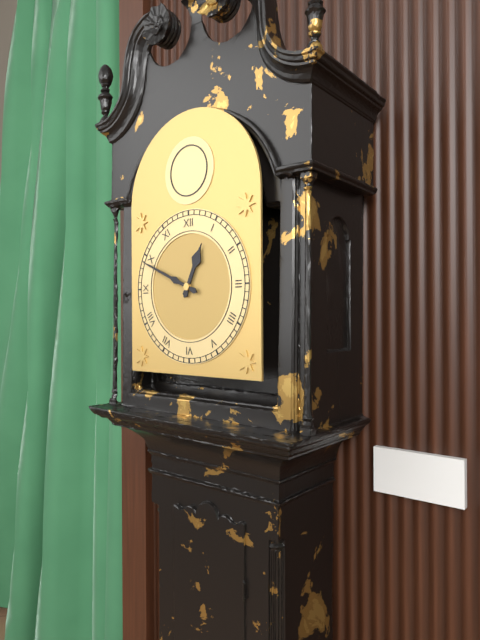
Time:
h=12 m=49
